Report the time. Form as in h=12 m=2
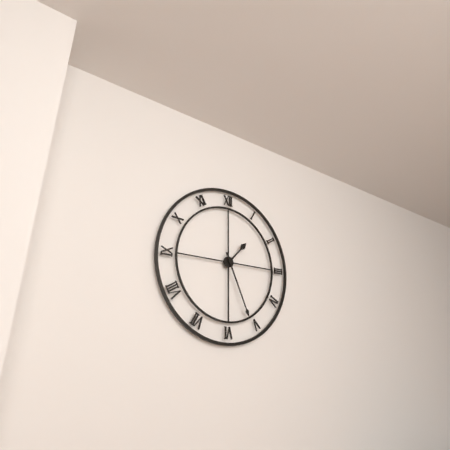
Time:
h=1 m=26
